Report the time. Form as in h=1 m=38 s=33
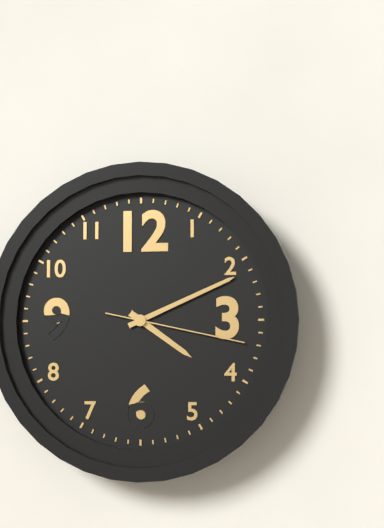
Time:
h=4 m=11 s=17
